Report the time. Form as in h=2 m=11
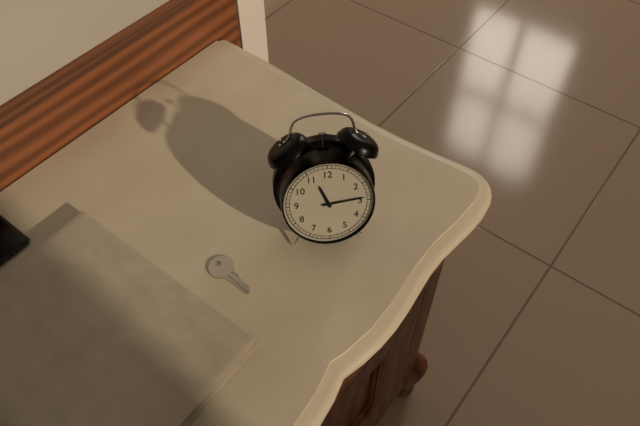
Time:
h=11 m=14
